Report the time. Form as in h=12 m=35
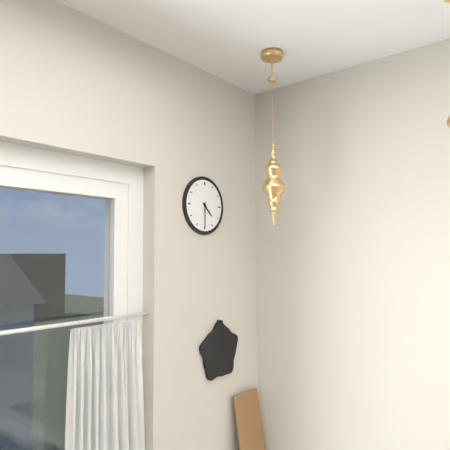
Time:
h=4 m=30
